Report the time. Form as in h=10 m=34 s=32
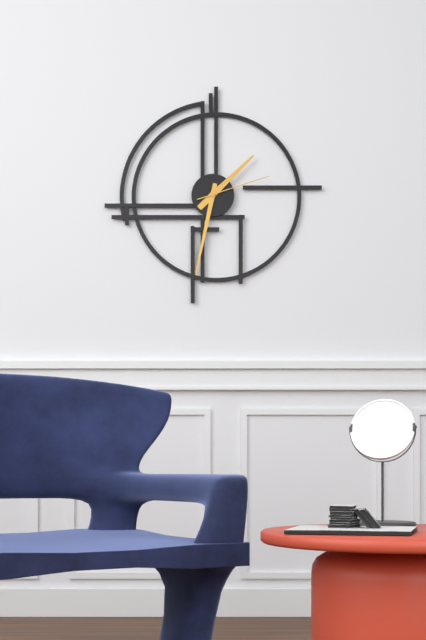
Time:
h=1 m=32 s=12
